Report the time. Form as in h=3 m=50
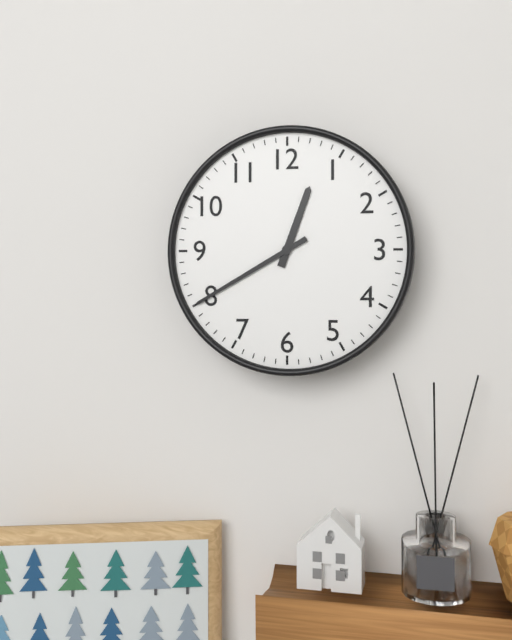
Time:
h=12 m=40
